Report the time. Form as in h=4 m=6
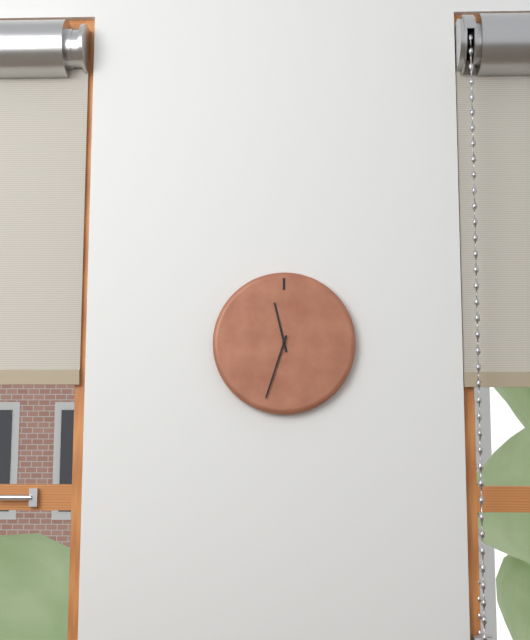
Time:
h=11 m=33
